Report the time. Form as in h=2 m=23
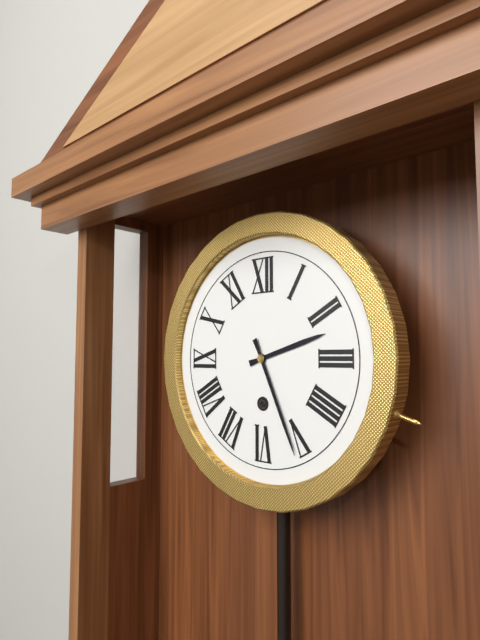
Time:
h=2 m=26
